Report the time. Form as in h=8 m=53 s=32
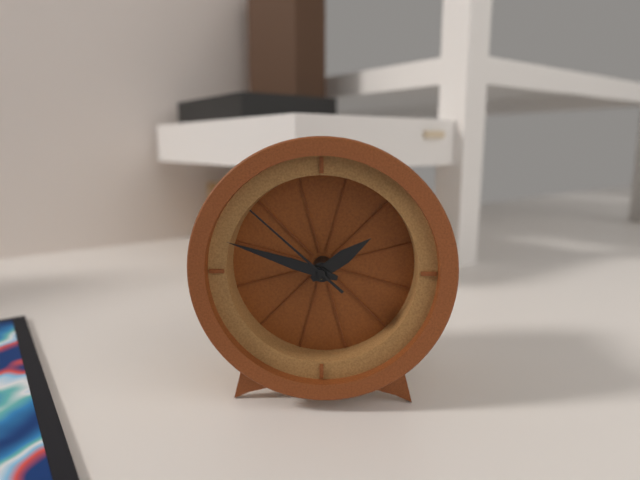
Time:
h=1 m=48 s=52
